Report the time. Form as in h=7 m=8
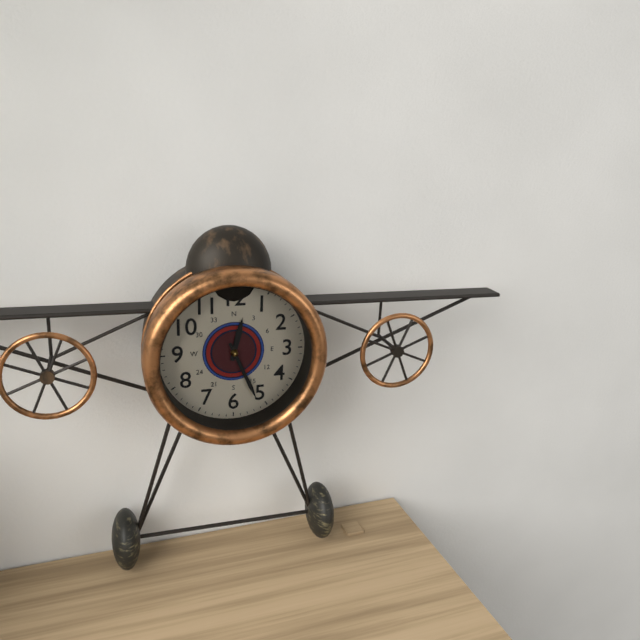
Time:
h=12 m=26
